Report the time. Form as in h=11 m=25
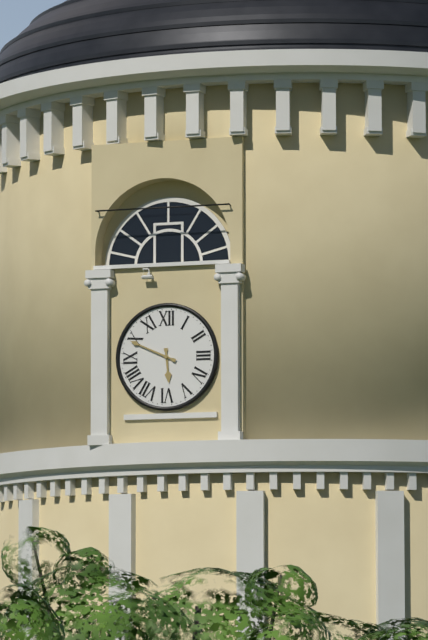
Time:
h=5 m=49
